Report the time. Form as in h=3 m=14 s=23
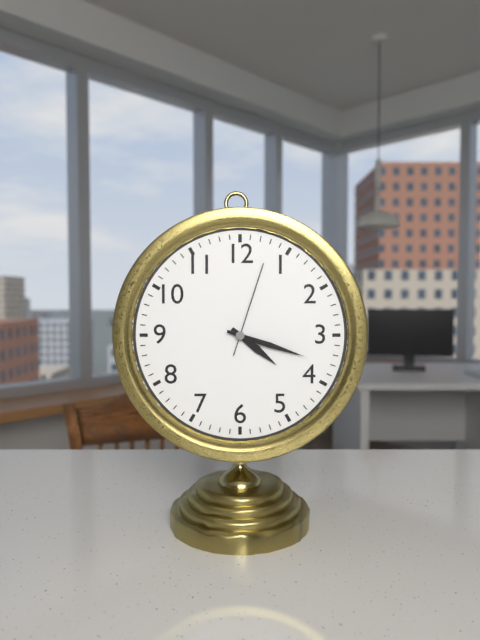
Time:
h=4 m=18 s=3
